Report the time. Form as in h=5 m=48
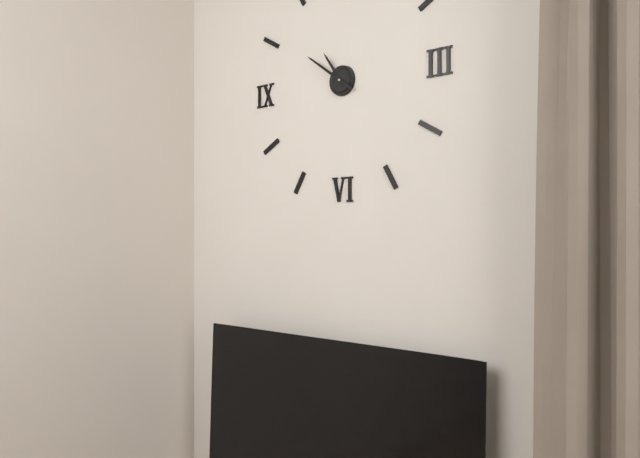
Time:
h=10 m=51
